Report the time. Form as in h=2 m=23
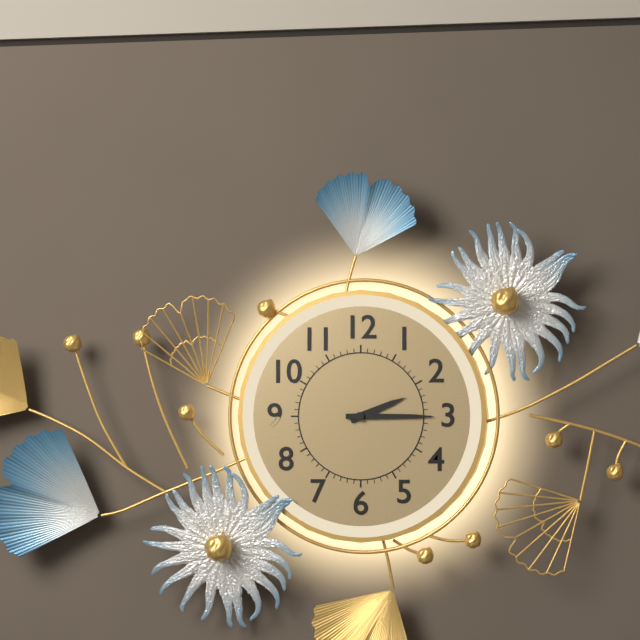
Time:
h=2 m=15
